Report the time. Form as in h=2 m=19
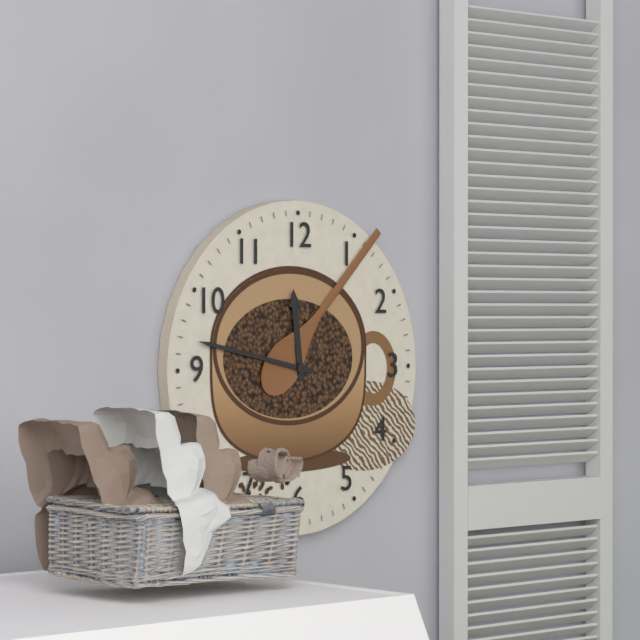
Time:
h=11 m=47
